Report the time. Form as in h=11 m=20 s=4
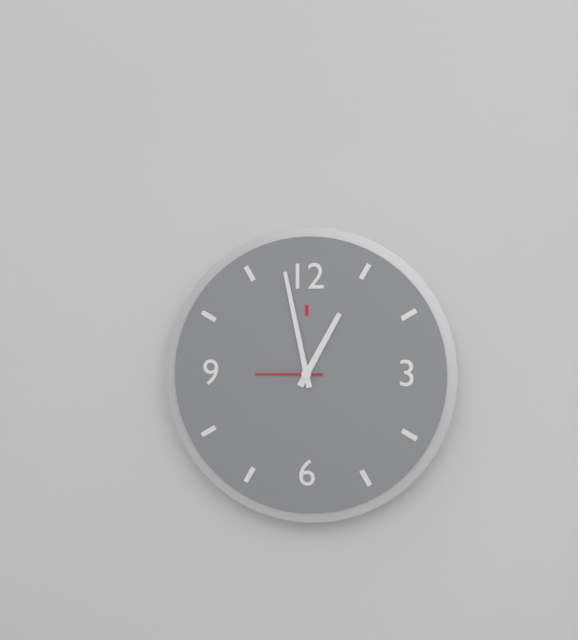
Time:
h=12 m=58 s=45
